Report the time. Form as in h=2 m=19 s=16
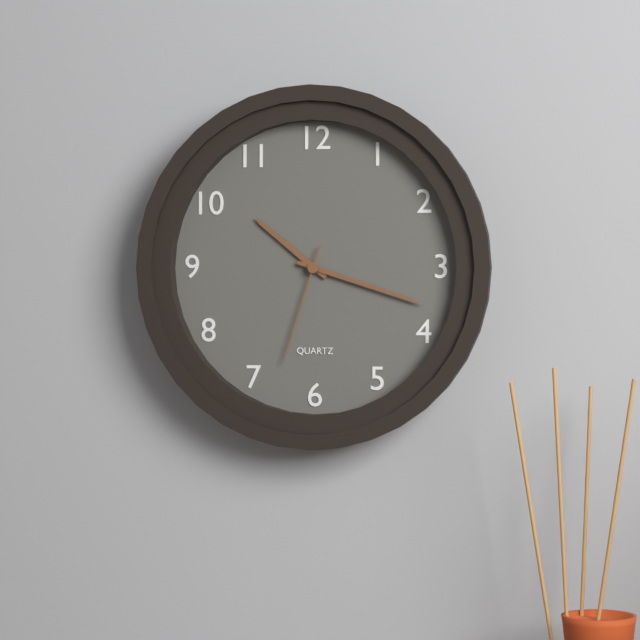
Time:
h=10 m=18 s=33
